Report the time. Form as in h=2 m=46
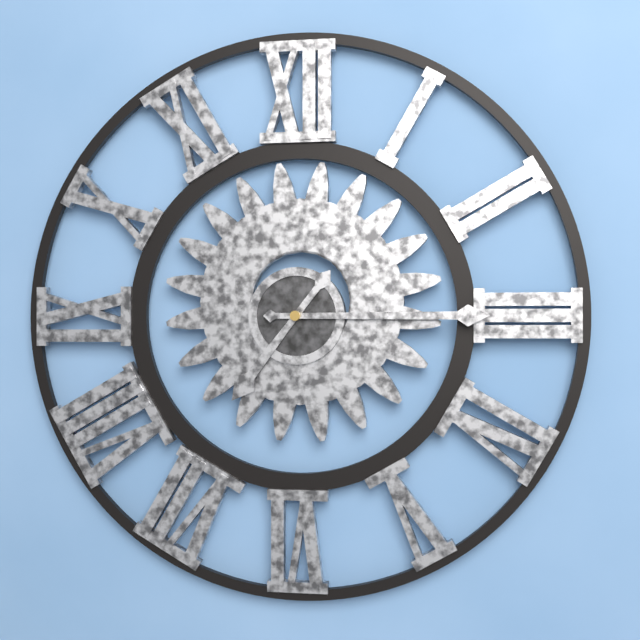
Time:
h=7 m=15
